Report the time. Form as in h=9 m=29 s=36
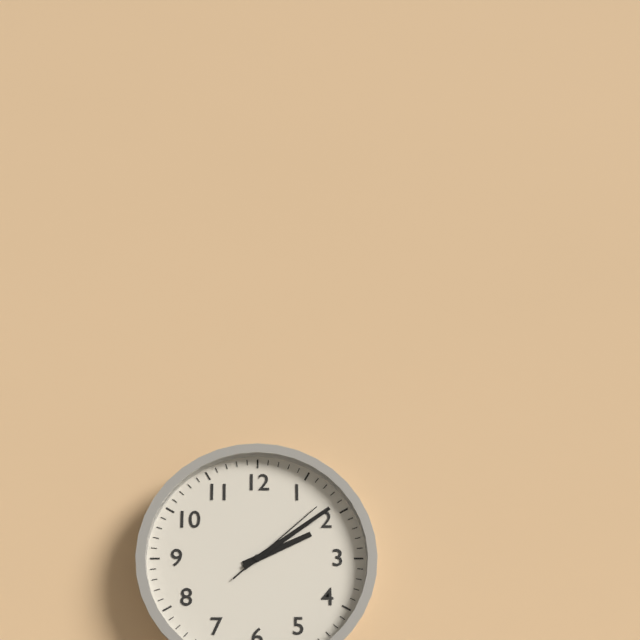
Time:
h=2 m=9 s=8
